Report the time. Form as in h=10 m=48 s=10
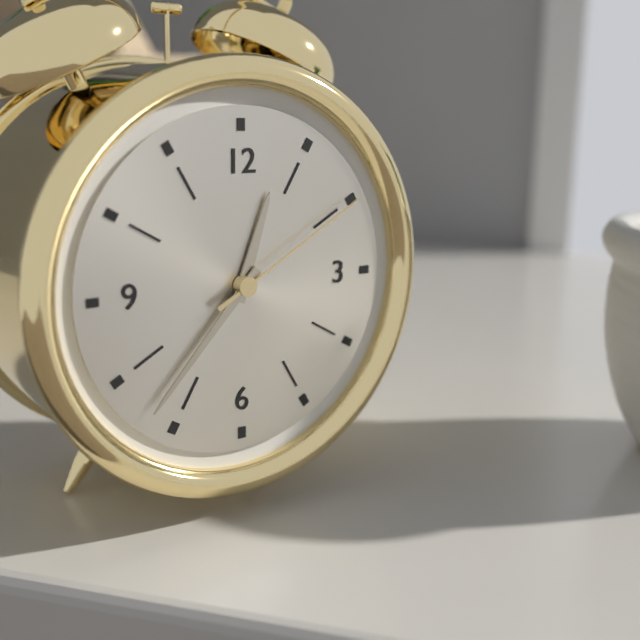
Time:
h=12 m=37 s=10
